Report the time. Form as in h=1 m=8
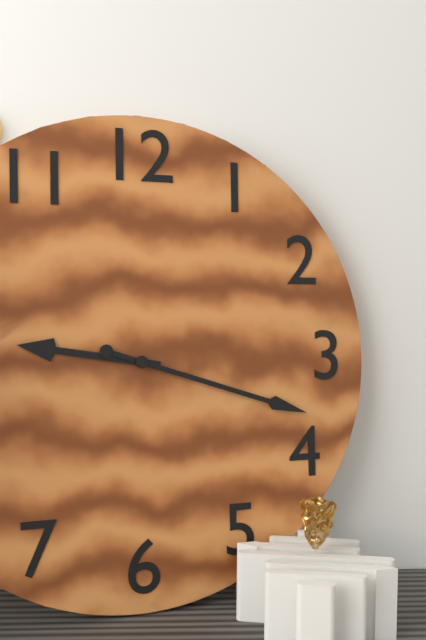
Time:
h=9 m=18
